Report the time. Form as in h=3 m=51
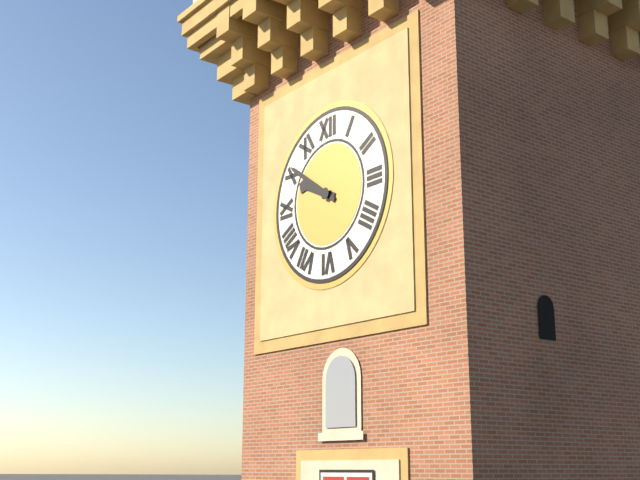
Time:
h=9 m=51
